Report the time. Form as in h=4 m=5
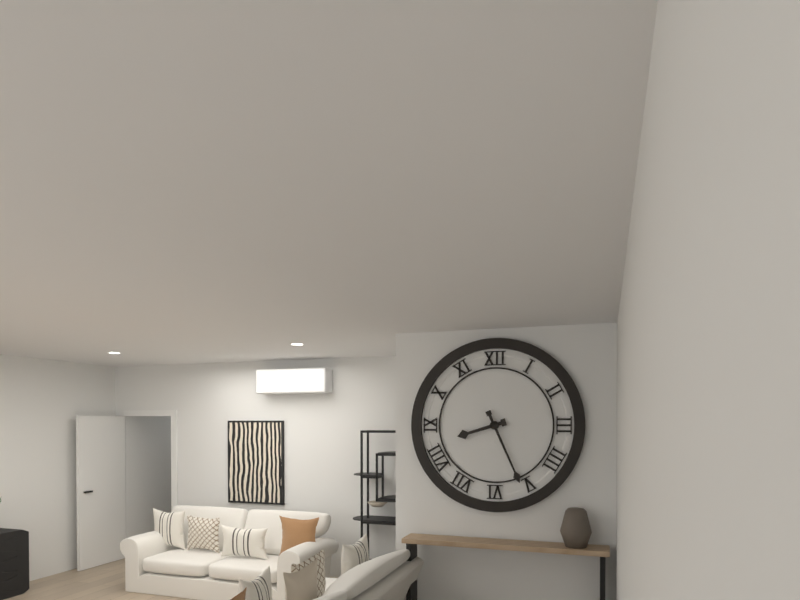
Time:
h=8 m=26
